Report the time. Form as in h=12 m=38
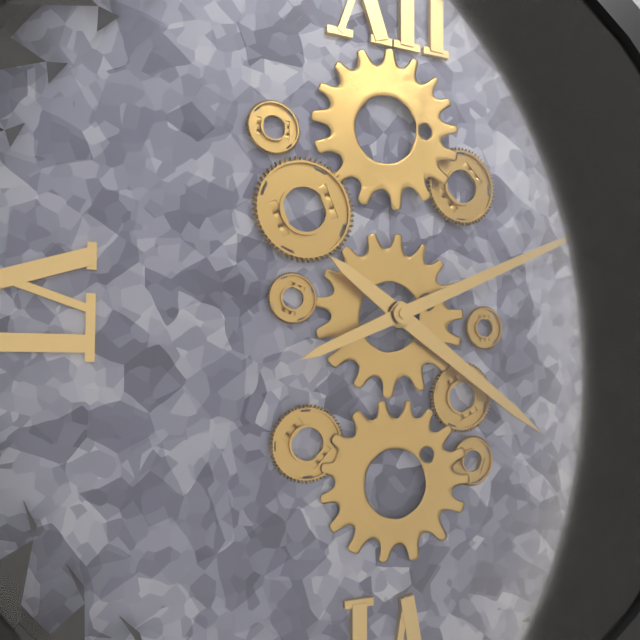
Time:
h=4 m=11
